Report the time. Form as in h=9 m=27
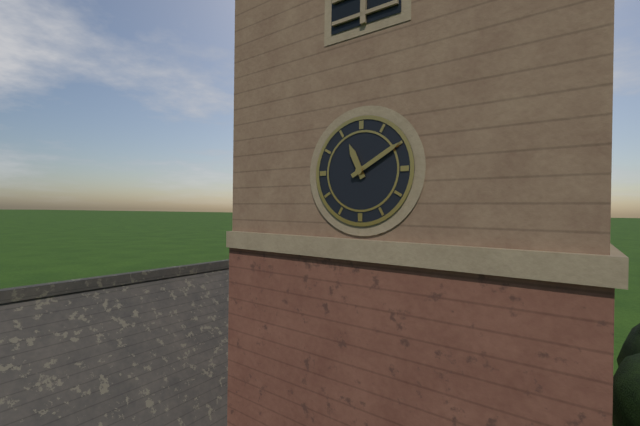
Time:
h=11 m=10
